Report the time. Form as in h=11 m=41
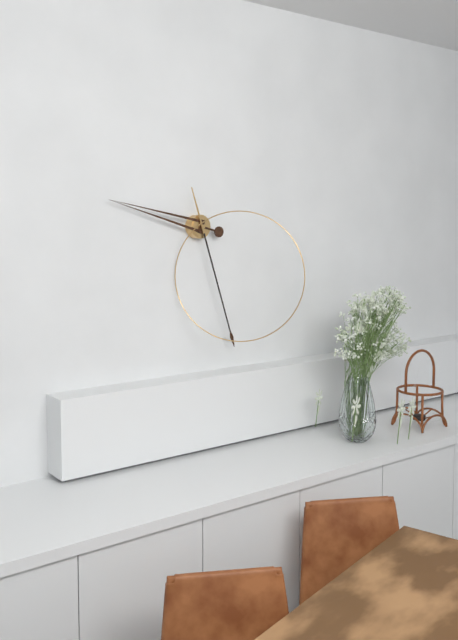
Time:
h=9 m=27
